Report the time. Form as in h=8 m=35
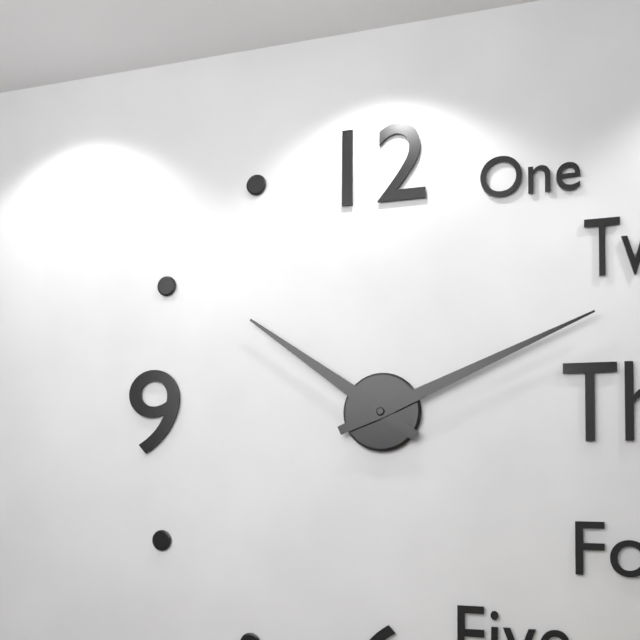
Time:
h=10 m=11
